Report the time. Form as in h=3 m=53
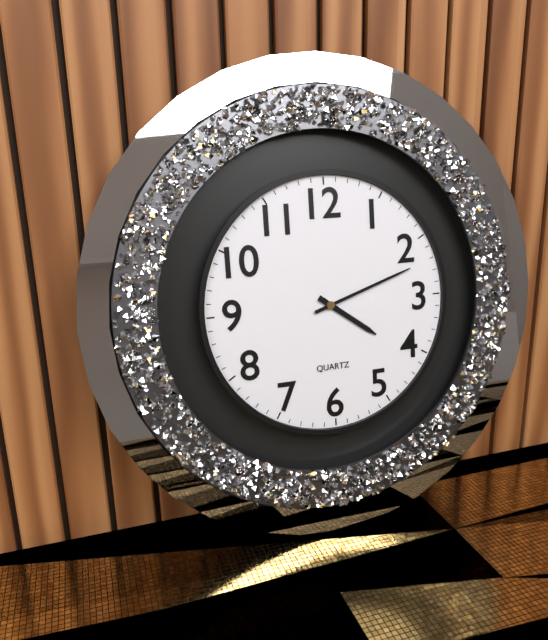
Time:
h=4 m=12
